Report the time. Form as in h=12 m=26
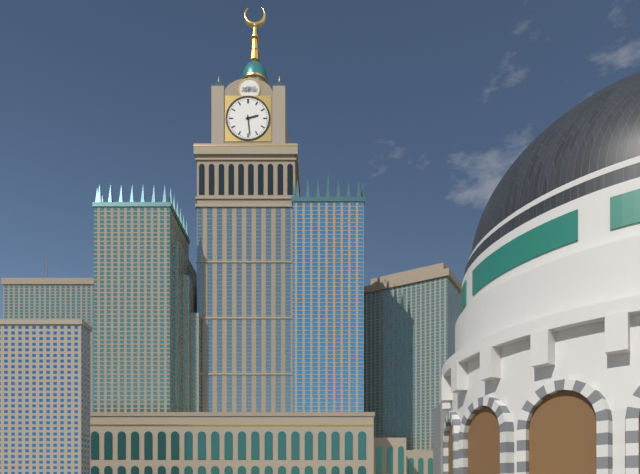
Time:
h=2 m=29
